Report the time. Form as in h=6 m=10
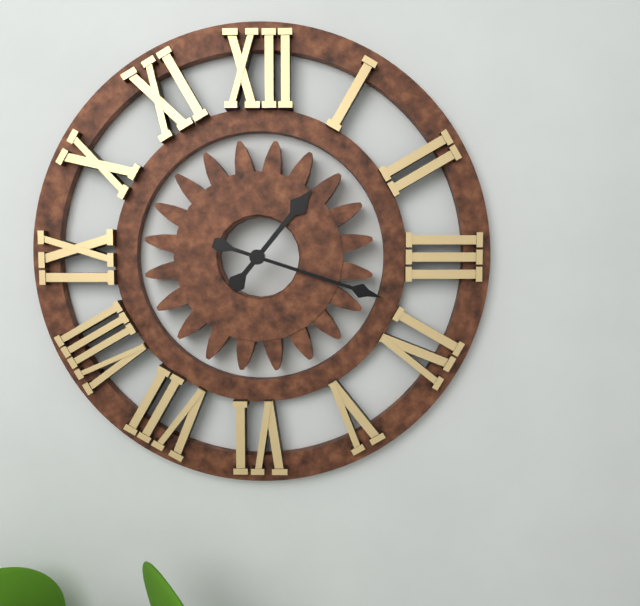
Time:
h=1 m=18
